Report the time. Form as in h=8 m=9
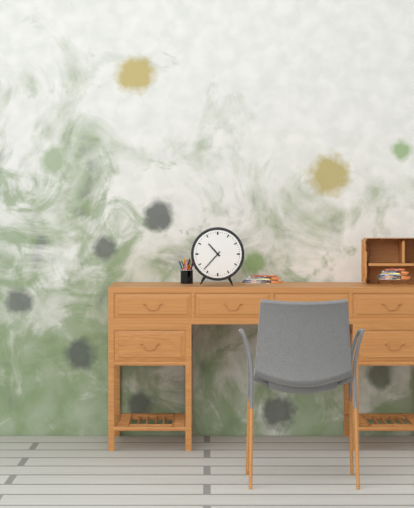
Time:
h=10 m=37
